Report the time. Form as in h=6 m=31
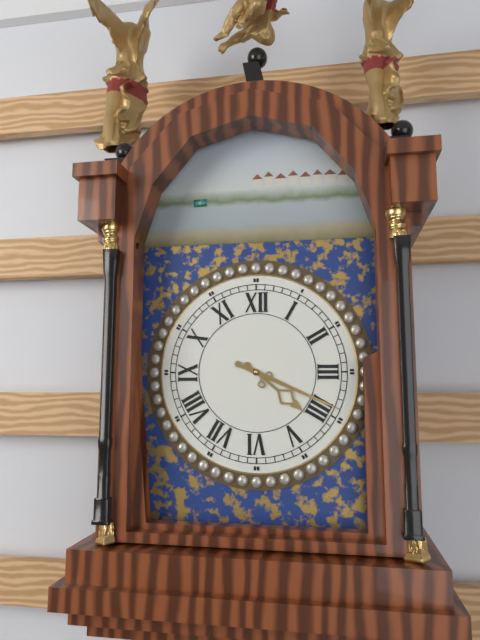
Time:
h=4 m=19
